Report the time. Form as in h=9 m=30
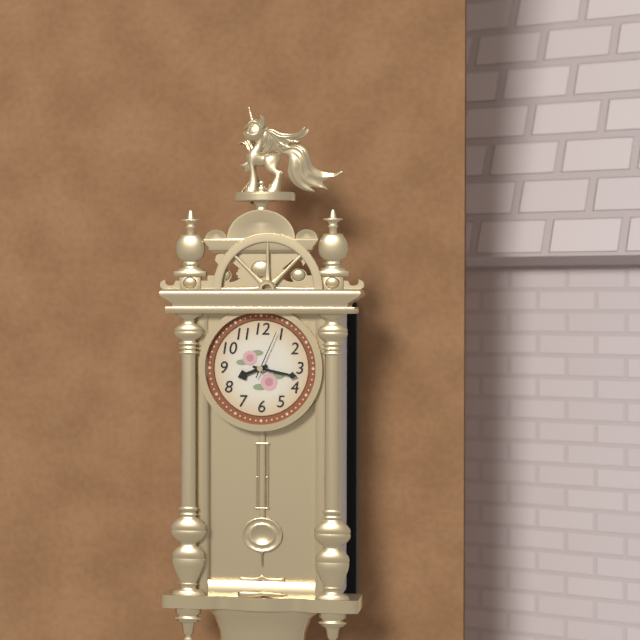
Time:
h=8 m=17
